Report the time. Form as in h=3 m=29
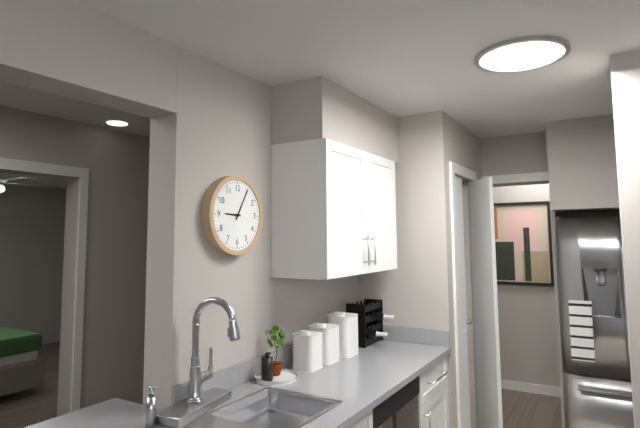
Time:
h=9 m=5
